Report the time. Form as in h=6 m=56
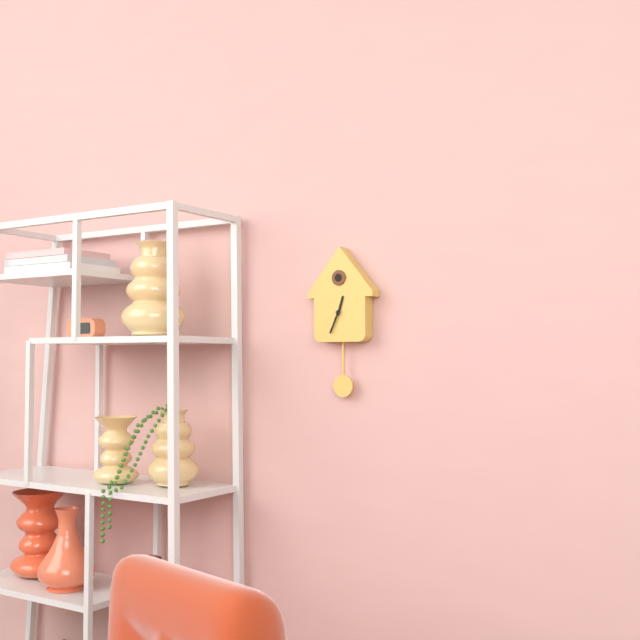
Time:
h=12 m=34
